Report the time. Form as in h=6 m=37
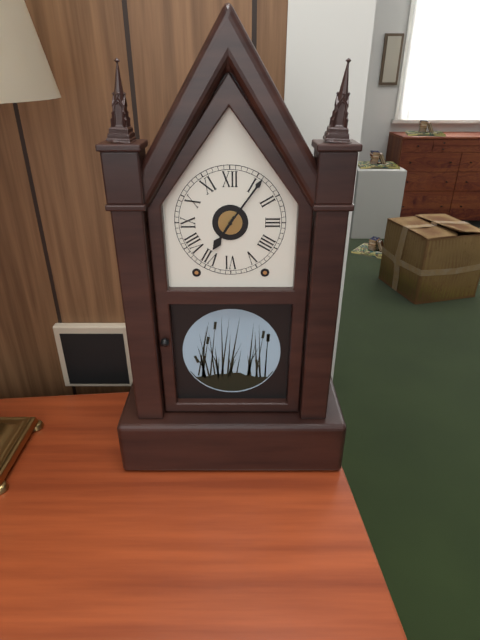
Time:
h=7 m=6
